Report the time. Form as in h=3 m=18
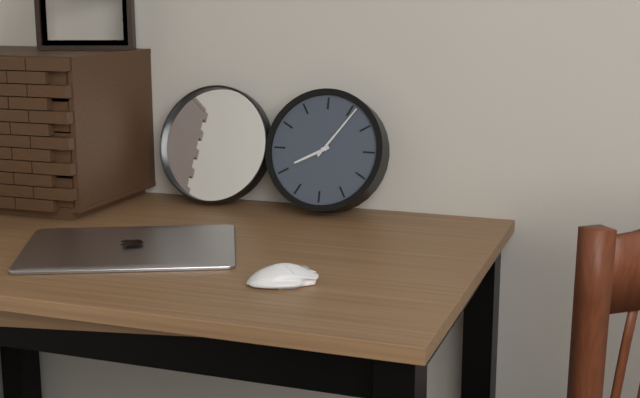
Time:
h=8 m=6
